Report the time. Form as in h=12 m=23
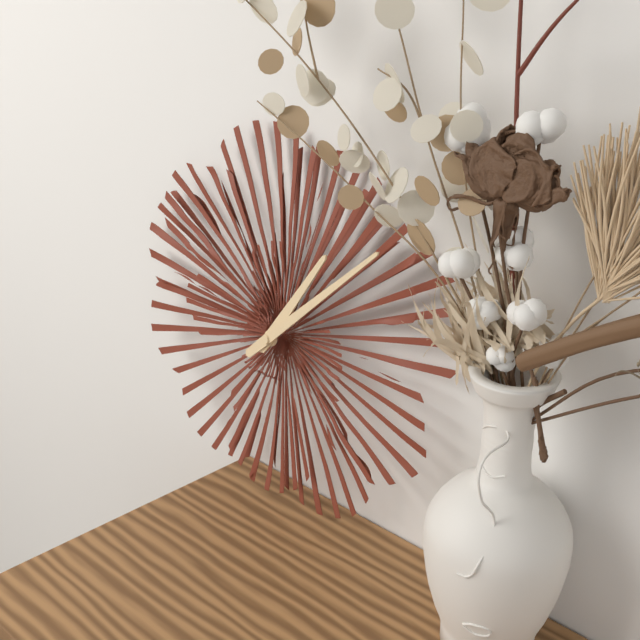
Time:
h=1 m=8
